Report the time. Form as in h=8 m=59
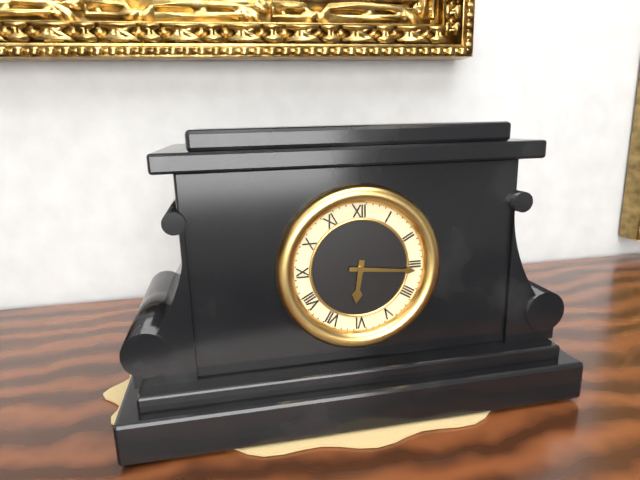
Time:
h=6 m=16
